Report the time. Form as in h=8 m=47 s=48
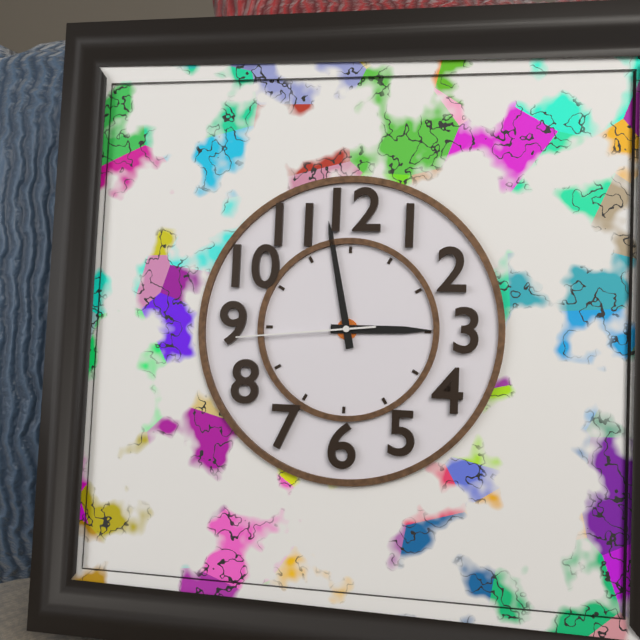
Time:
h=2 m=58 s=44
